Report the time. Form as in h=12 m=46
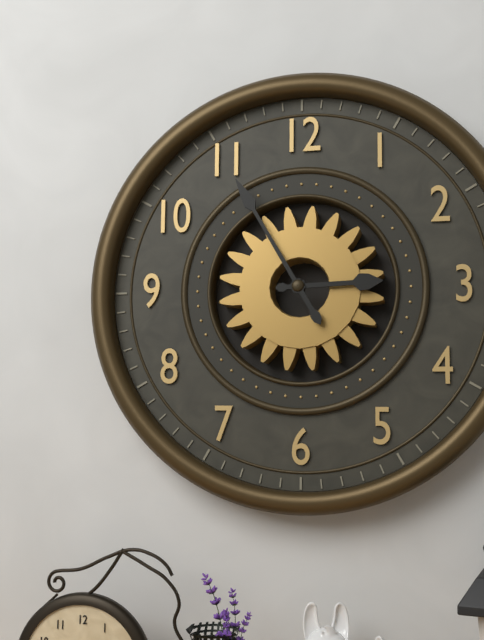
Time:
h=2 m=55
